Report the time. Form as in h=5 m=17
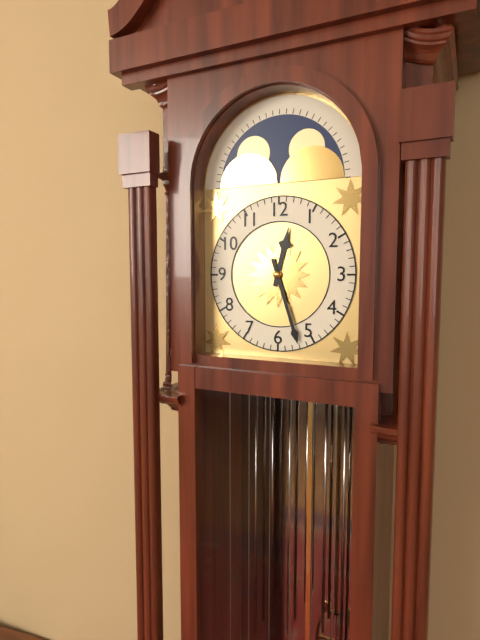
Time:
h=12 m=27
